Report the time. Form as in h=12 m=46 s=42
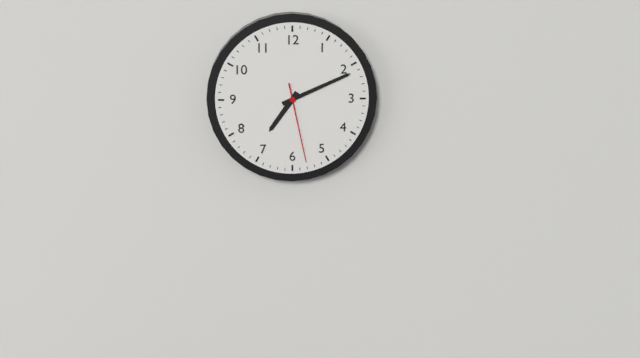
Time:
h=7 m=11 s=28
